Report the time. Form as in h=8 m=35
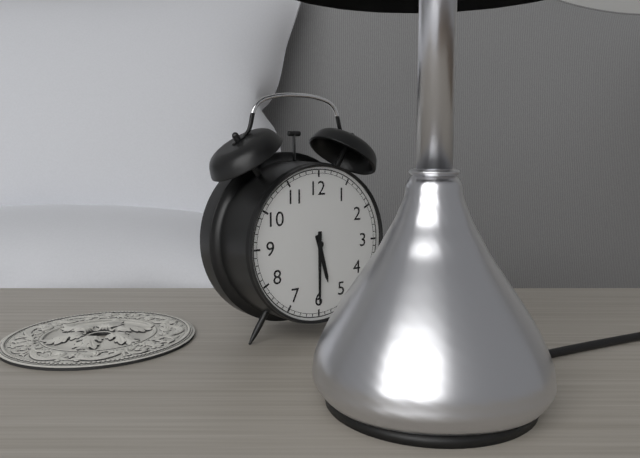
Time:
h=5 m=30
